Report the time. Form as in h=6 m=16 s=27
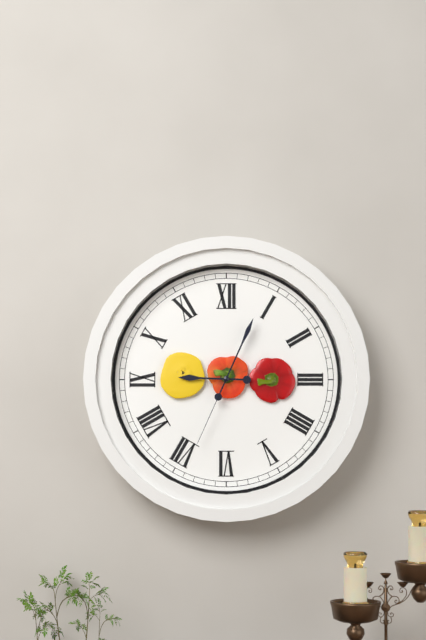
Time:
h=9 m=4 s=34
